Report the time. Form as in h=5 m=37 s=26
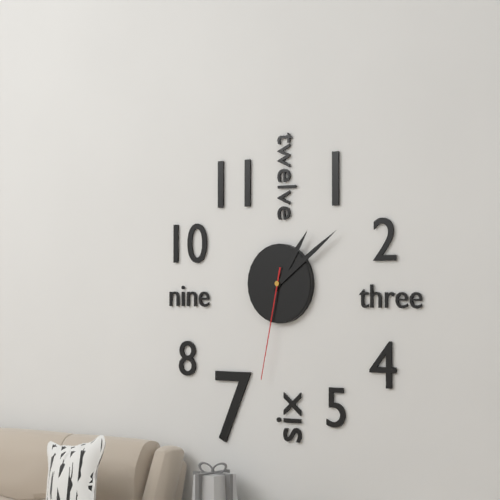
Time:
h=1 m=9 s=32
